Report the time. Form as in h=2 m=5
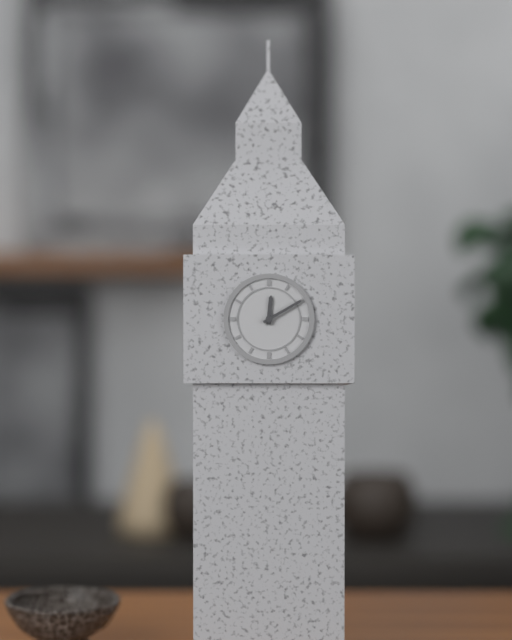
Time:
h=12 m=10
